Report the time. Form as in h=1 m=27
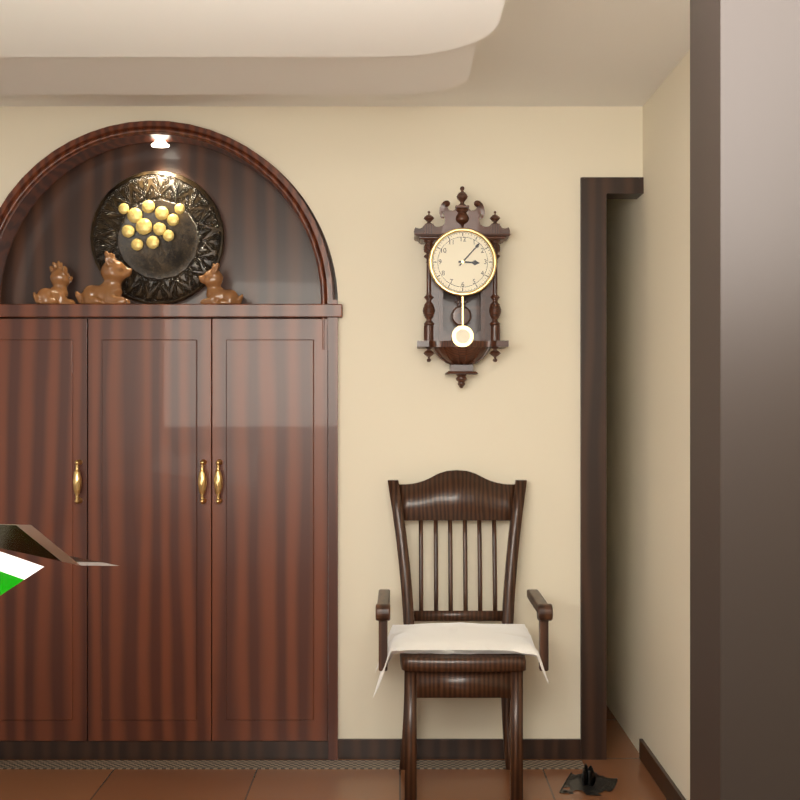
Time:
h=3 m=7
